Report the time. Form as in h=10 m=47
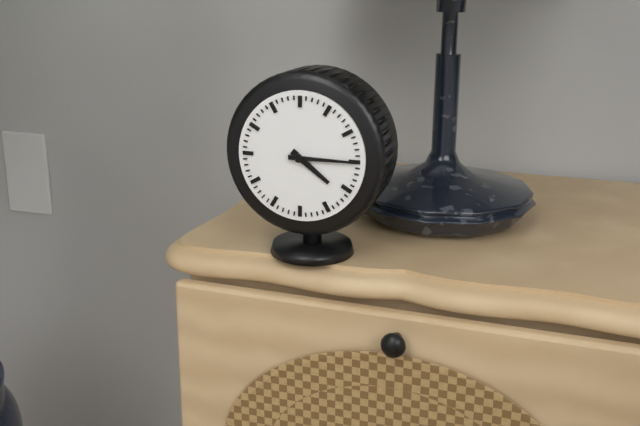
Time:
h=4 m=15
